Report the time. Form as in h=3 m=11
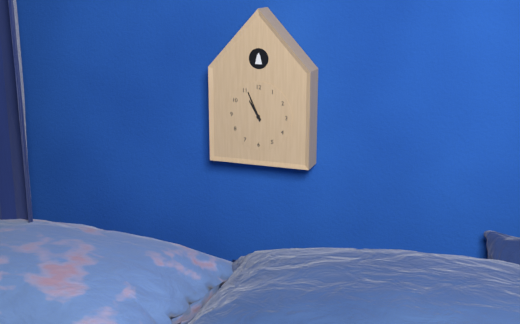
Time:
h=10 m=56
